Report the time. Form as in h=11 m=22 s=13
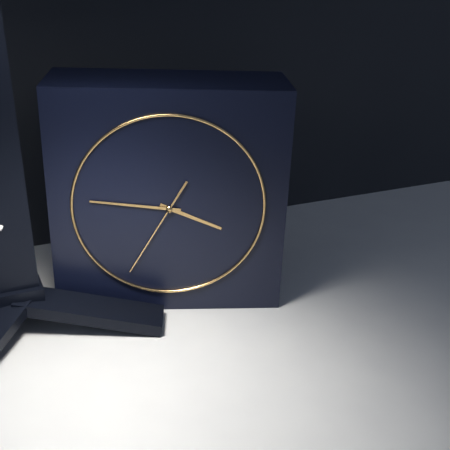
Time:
h=3 m=46 s=35
